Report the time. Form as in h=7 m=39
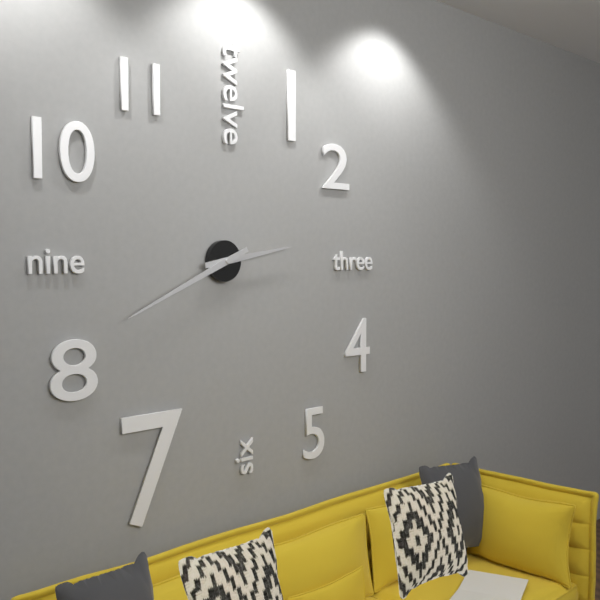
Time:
h=2 m=41
